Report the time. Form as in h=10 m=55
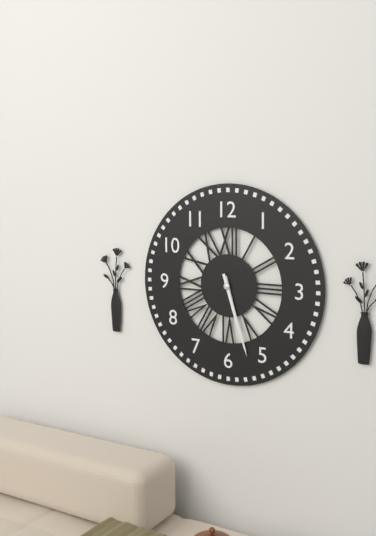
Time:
h=5 m=27
